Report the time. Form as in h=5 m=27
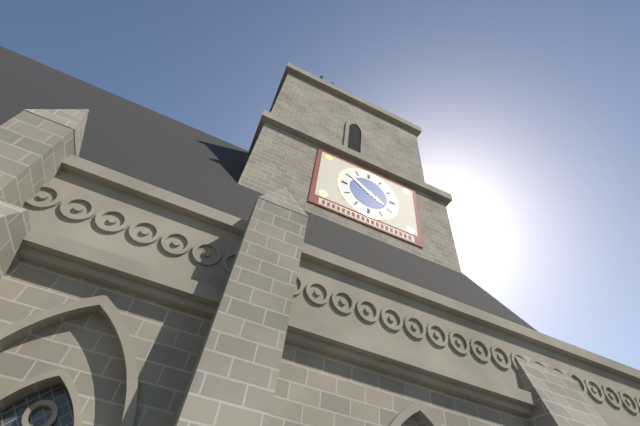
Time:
h=3 m=51
